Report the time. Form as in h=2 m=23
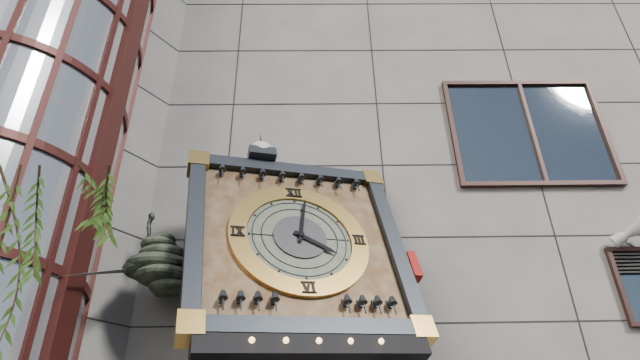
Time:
h=4 m=2
